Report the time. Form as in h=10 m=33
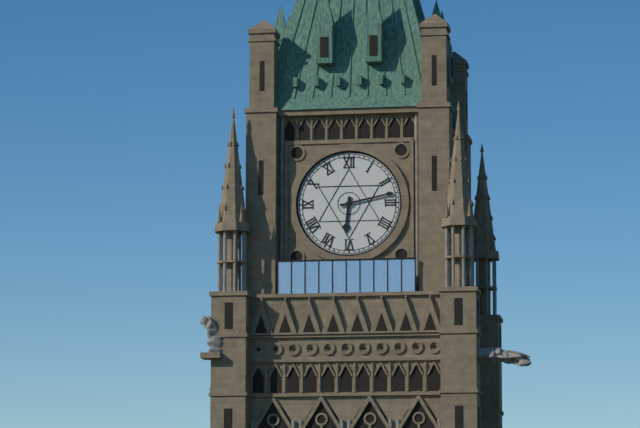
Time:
h=6 m=13
